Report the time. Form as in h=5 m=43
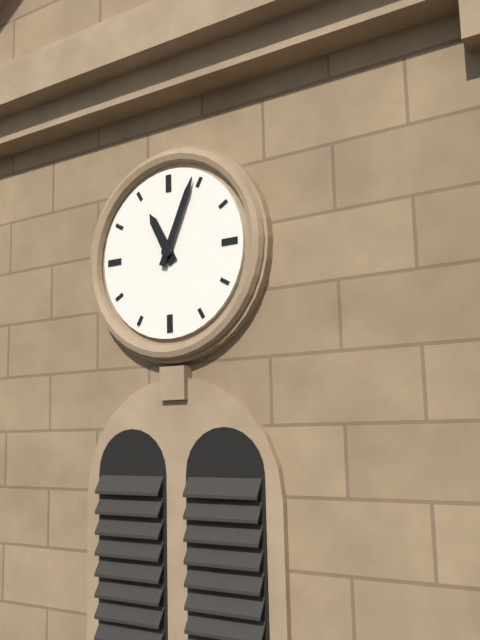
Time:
h=11 m=4
